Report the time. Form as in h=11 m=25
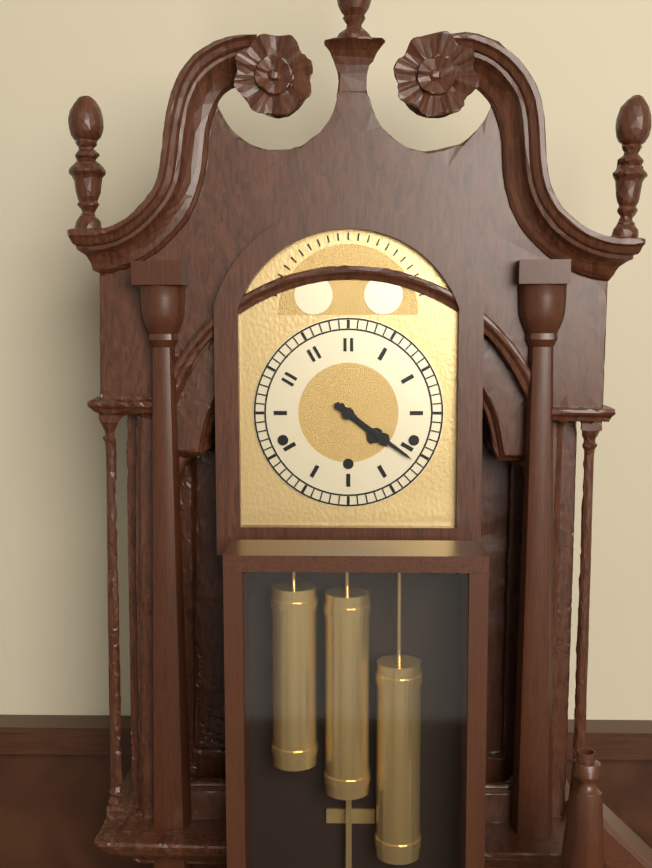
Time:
h=4 m=21
